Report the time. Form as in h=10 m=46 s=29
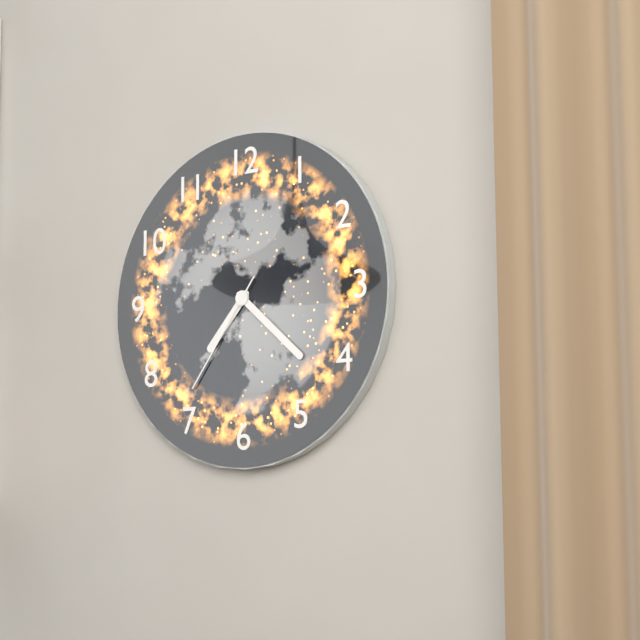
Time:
h=7 m=22 s=36
